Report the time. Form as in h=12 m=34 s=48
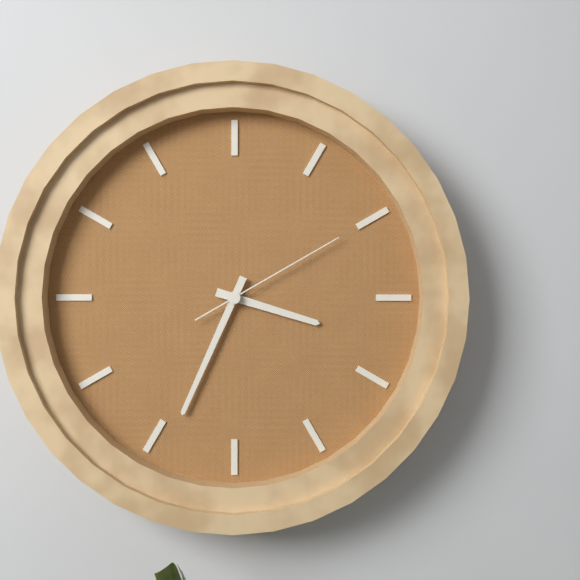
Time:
h=3 m=34 s=10
